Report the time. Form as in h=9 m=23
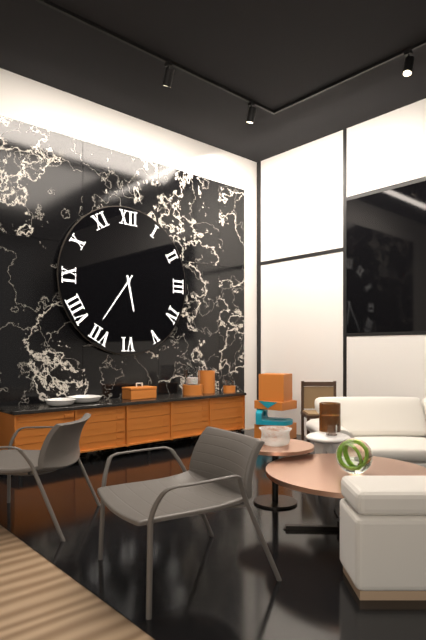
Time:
h=5 m=36
